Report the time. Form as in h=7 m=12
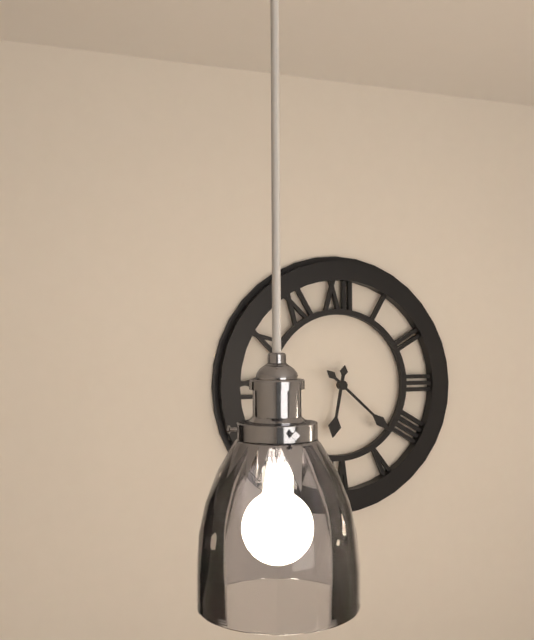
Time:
h=6 m=22
